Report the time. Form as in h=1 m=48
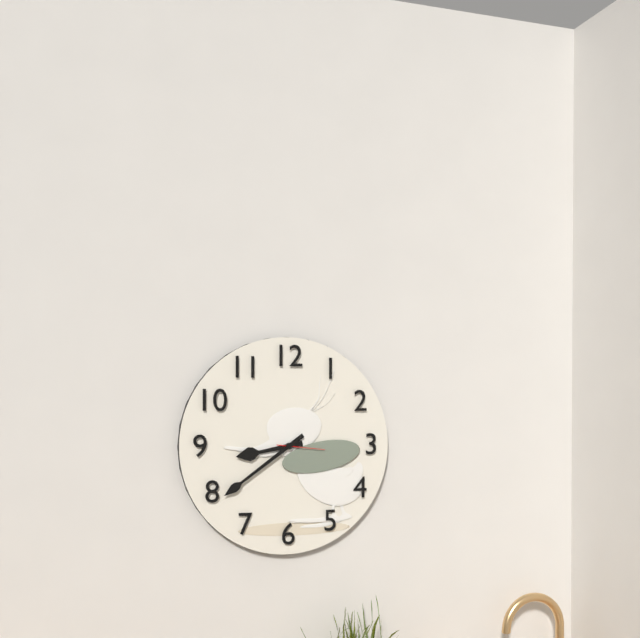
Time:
h=8 m=39
